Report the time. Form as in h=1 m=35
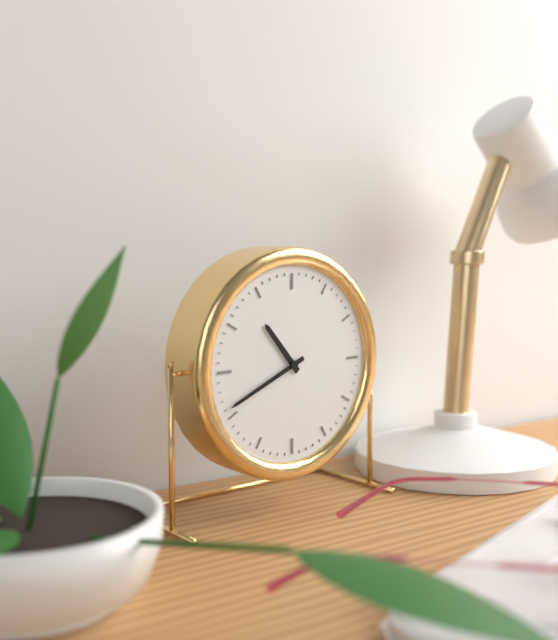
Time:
h=10 m=41
